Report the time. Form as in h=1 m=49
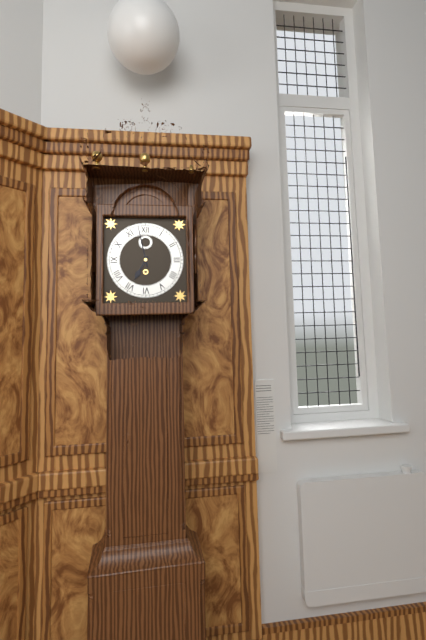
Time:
h=6 m=58
